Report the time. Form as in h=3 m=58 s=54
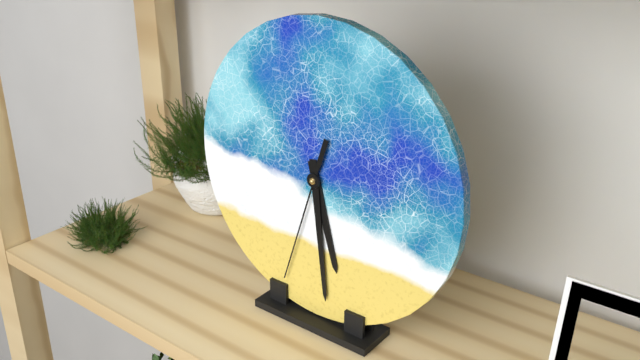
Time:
h=5 m=29 s=33
